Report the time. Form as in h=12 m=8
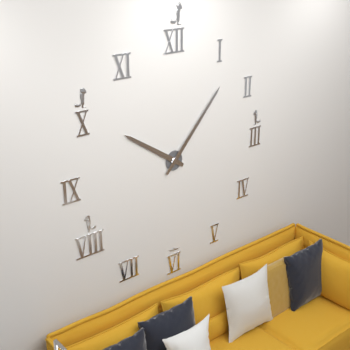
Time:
h=10 m=7
